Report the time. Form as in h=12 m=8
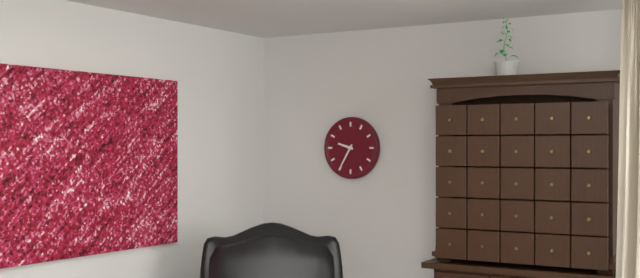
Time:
h=9 m=35
